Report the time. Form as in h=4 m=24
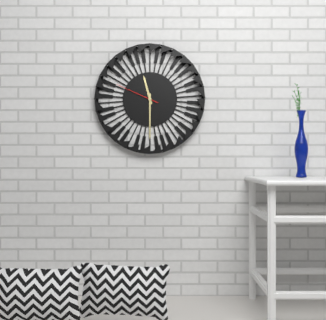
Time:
h=11 m=30
